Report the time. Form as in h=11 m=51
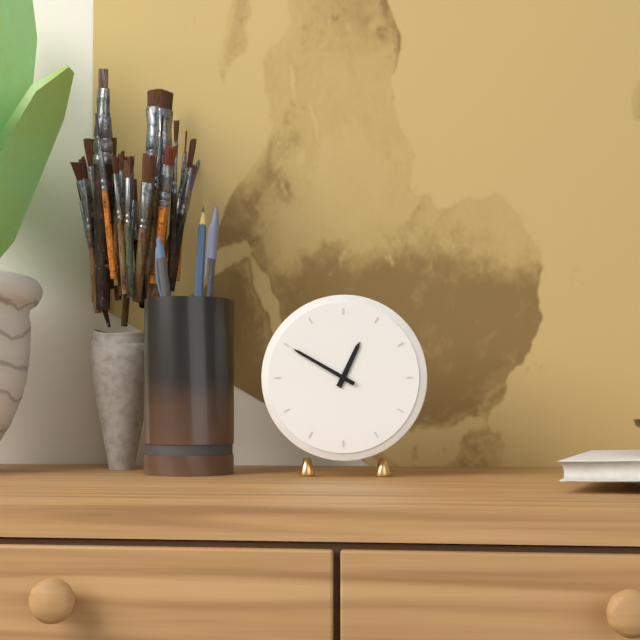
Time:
h=12 m=50
